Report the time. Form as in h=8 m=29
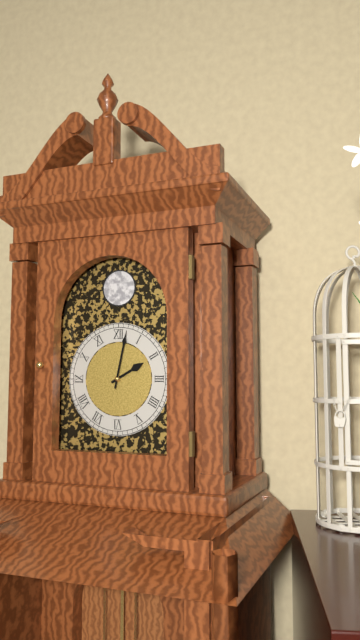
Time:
h=2 m=2
